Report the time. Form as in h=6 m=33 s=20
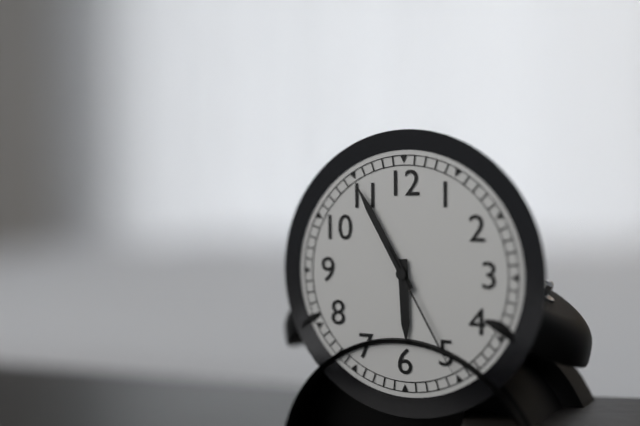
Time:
h=5 m=55 s=25
